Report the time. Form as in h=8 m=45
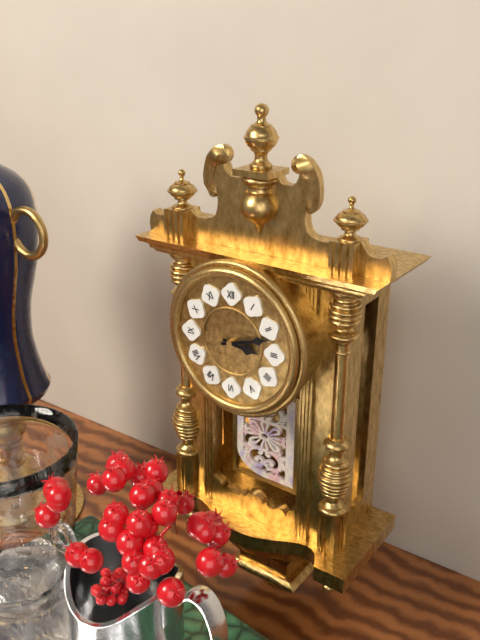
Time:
h=3 m=12
